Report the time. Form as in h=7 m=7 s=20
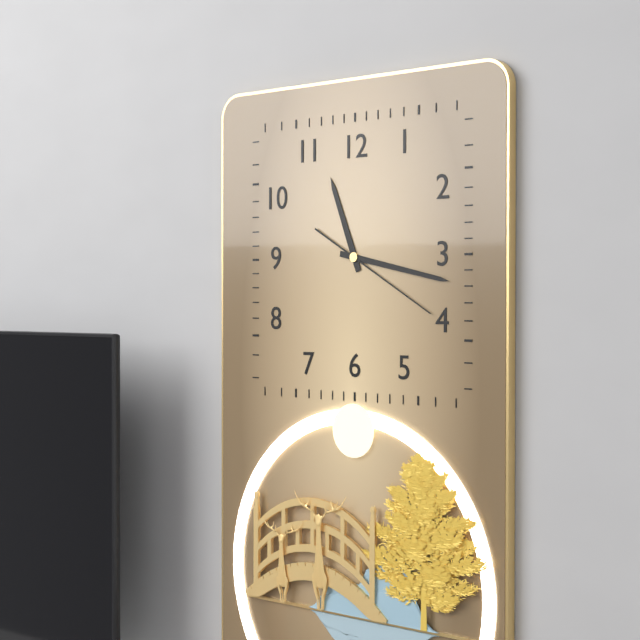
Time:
h=11 m=17 s=20
